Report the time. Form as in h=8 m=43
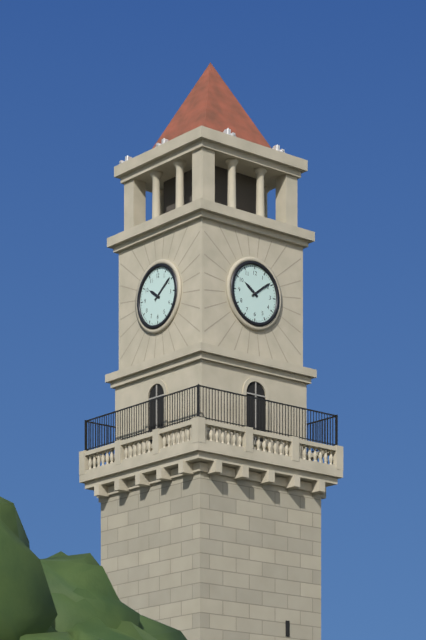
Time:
h=10 m=9
